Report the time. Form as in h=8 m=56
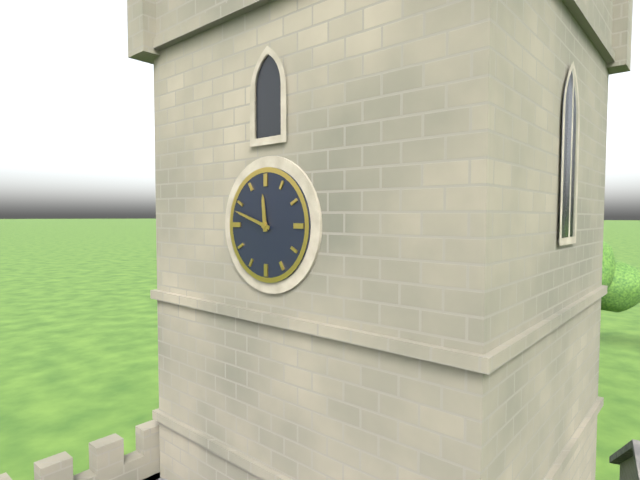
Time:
h=11 m=48
